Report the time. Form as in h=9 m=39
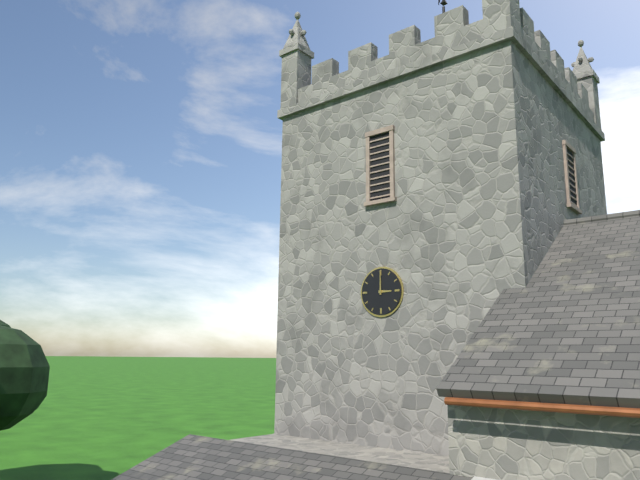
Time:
h=3 m=0
